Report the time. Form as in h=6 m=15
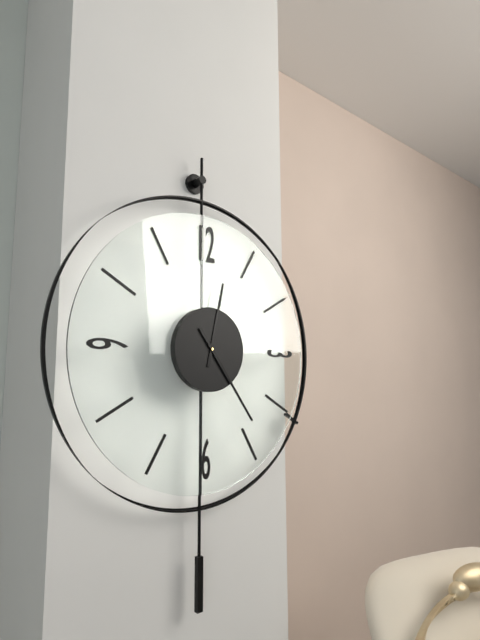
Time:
h=12 m=24
